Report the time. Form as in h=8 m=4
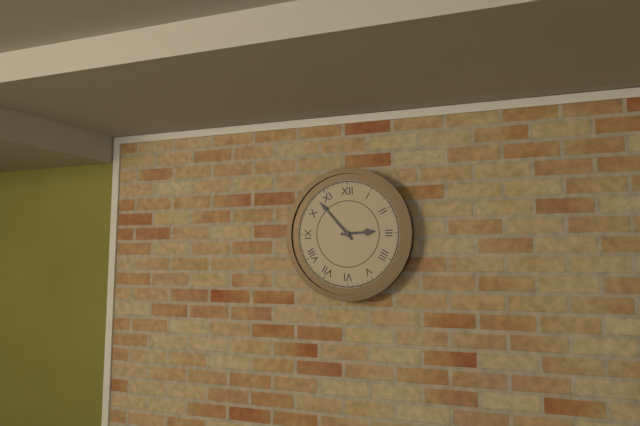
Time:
h=2 m=53
